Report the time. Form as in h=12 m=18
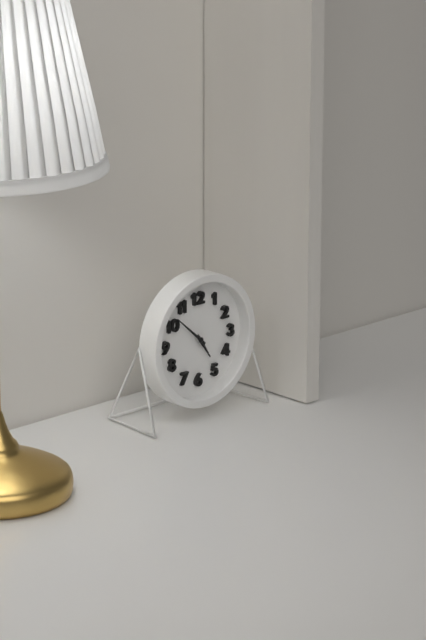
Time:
h=4 m=52
